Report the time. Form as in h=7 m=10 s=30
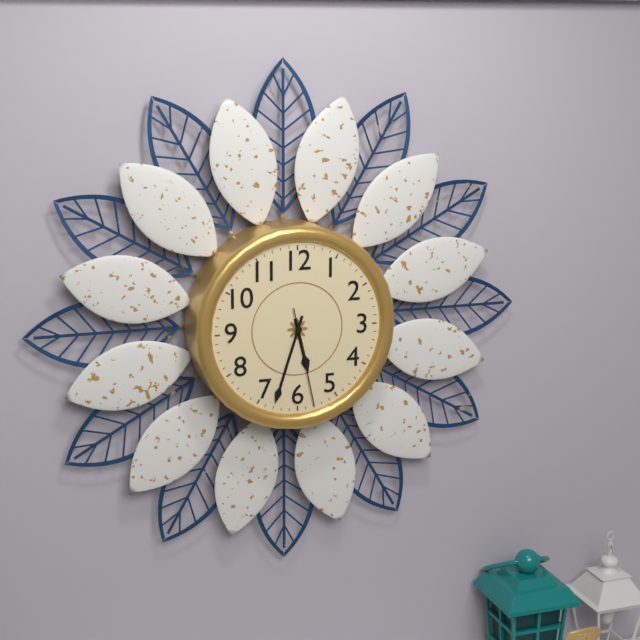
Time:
h=5 m=33 s=28
